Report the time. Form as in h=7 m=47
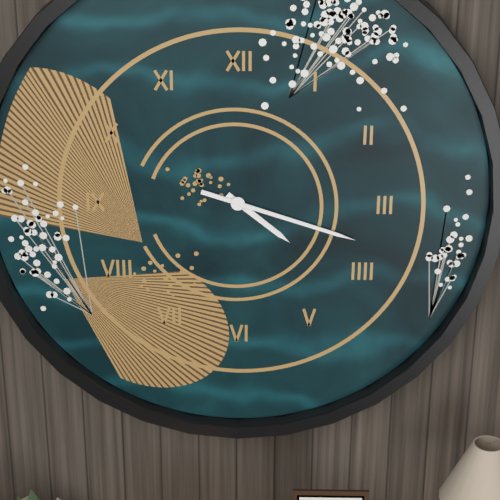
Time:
h=4 m=18
